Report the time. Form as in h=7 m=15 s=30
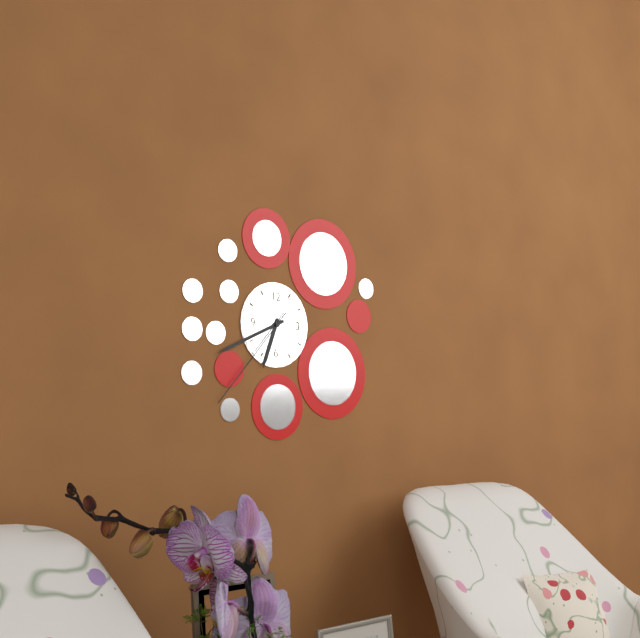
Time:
h=6 m=41 s=37
